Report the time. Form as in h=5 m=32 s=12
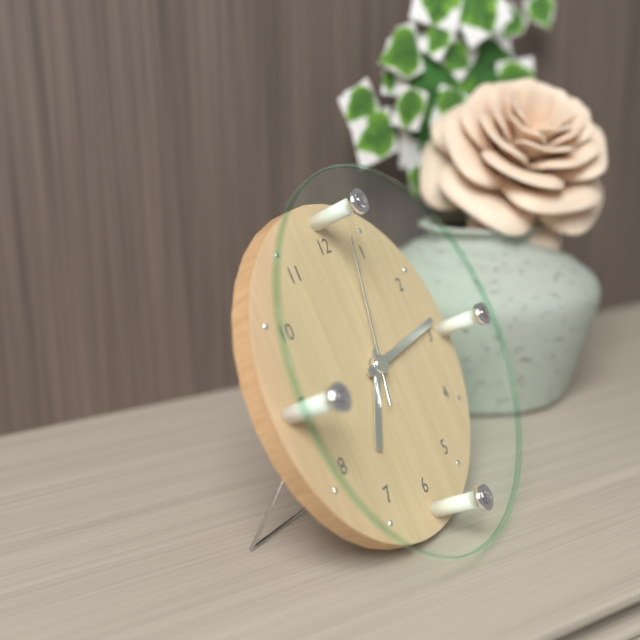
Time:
h=7 m=14 s=3
